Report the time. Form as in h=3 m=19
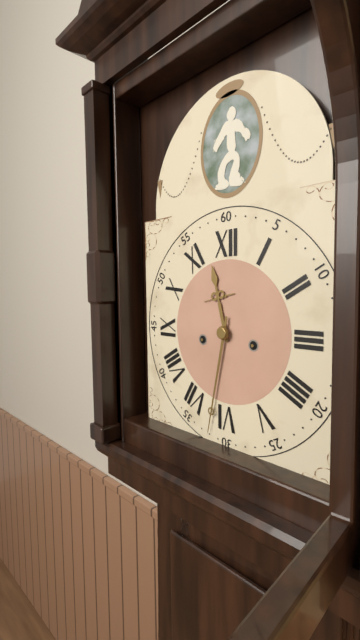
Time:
h=11 m=32
